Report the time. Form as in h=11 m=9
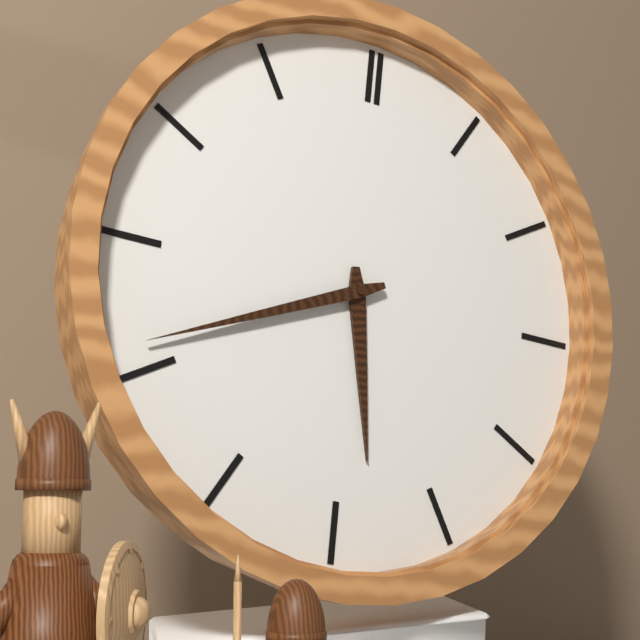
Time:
h=5 m=41
